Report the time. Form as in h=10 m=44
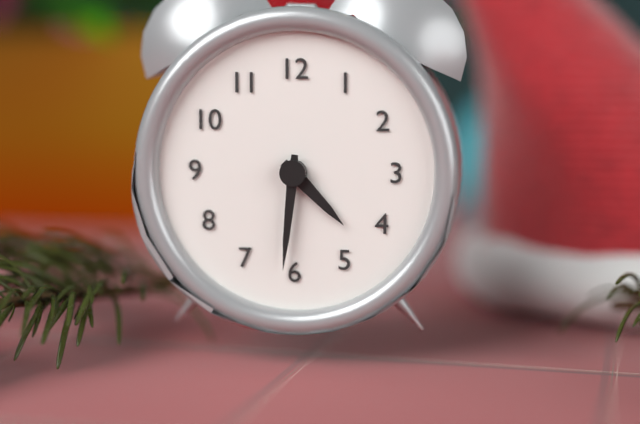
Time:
h=4 m=31
